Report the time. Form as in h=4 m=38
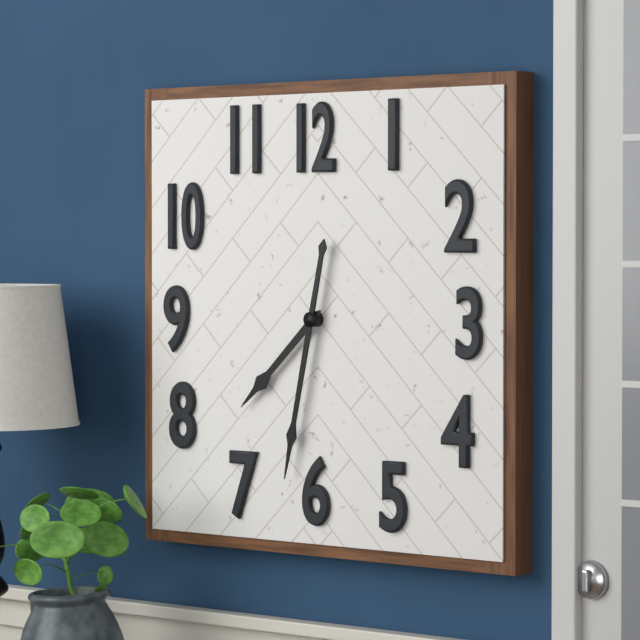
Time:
h=7 m=32
